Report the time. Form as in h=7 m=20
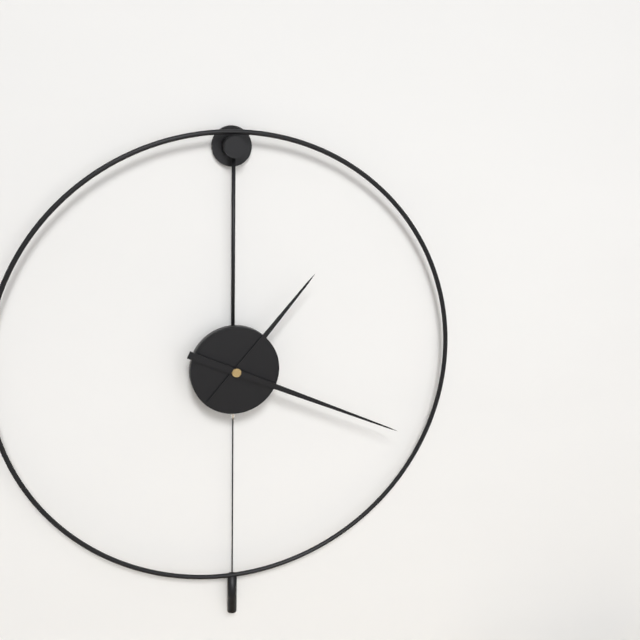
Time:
h=1 m=19
